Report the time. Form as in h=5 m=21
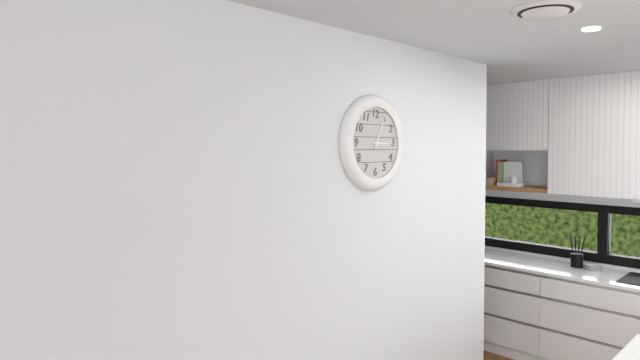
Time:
h=3 m=4
